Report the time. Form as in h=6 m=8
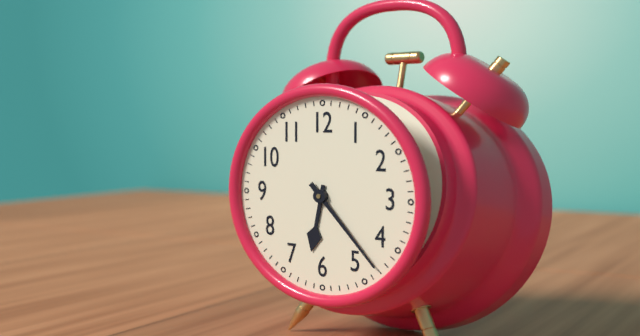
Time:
h=6 m=23
